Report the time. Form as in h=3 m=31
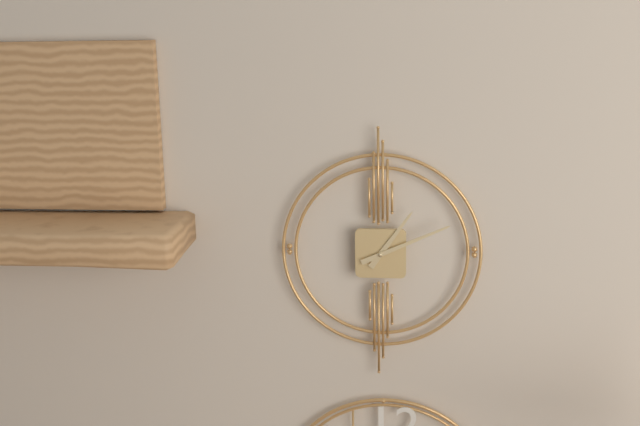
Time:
h=1 m=11
